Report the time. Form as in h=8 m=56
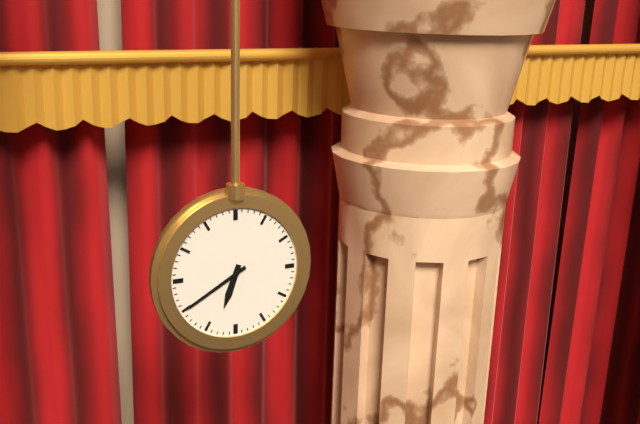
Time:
h=6 m=40
